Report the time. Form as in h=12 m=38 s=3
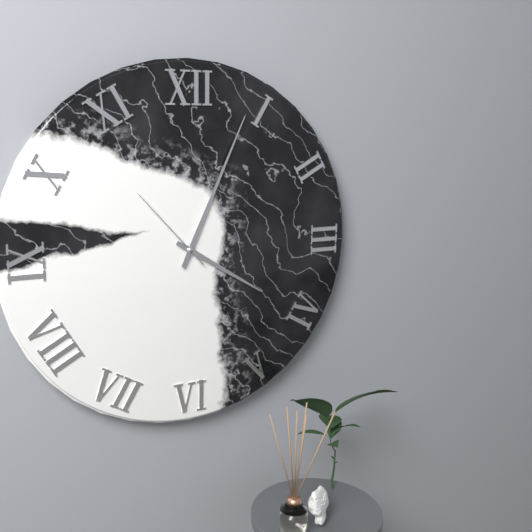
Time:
h=4 m=4 s=53
